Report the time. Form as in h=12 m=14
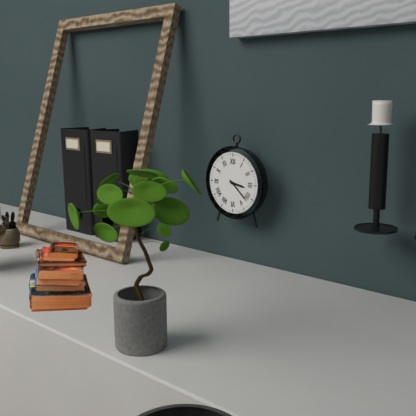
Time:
h=3 m=22
